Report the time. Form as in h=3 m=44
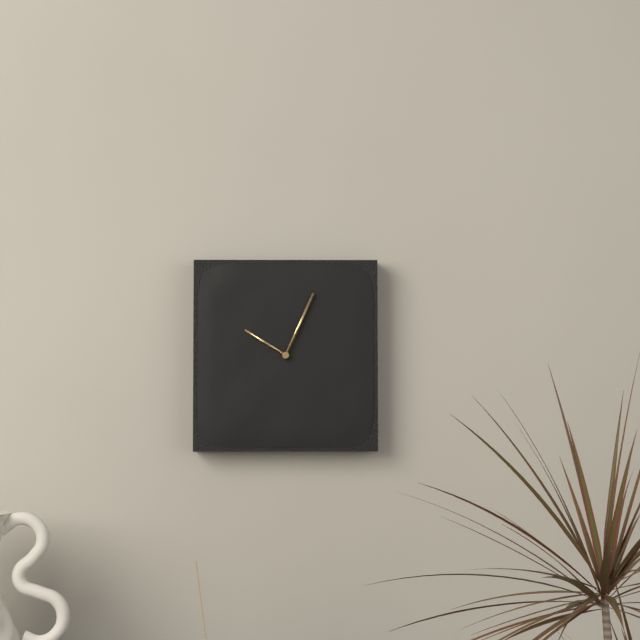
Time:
h=10 m=4
